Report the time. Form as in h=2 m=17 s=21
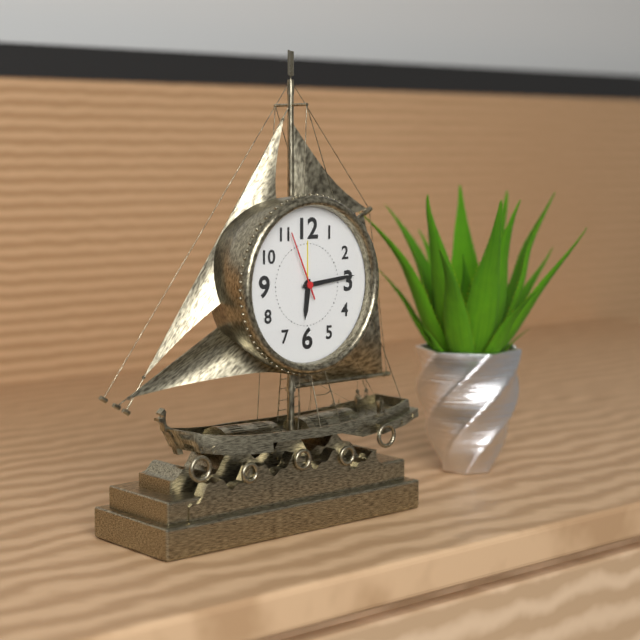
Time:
h=6 m=14 s=56
